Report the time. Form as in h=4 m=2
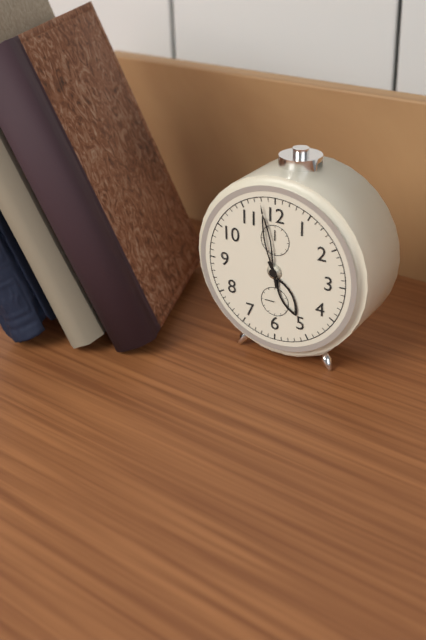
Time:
h=4 m=58
